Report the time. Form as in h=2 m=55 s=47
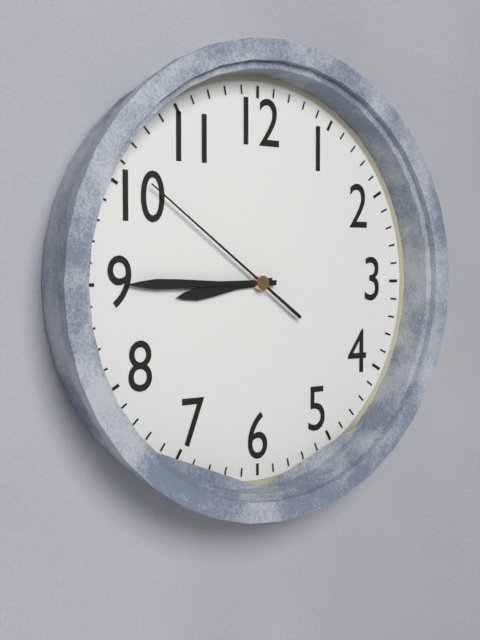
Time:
h=8 m=45 s=51
